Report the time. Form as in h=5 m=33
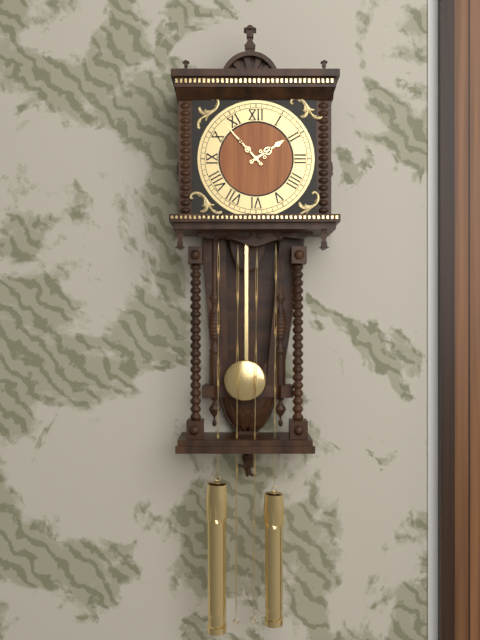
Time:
h=1 m=53
